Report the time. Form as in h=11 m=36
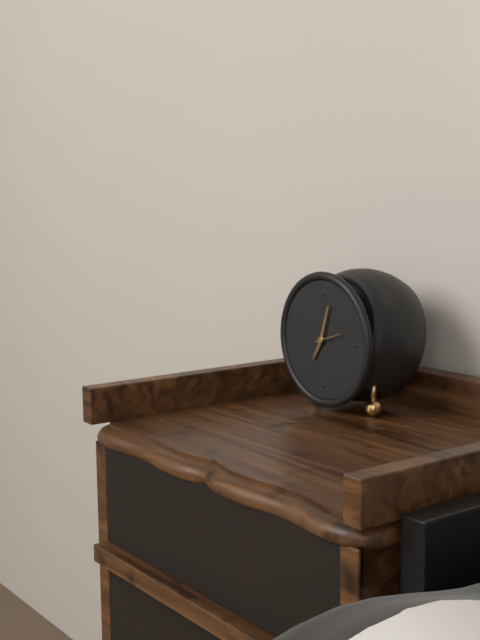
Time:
h=7 m=3
